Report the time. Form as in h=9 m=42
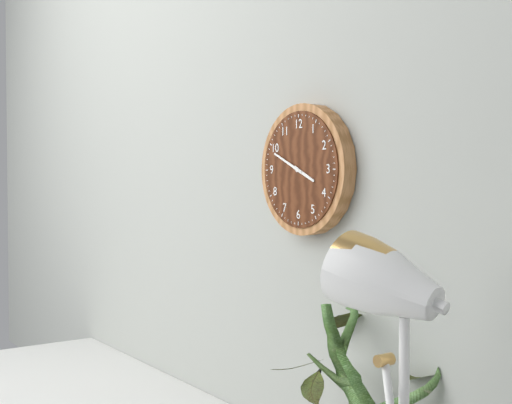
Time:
h=3 m=49
